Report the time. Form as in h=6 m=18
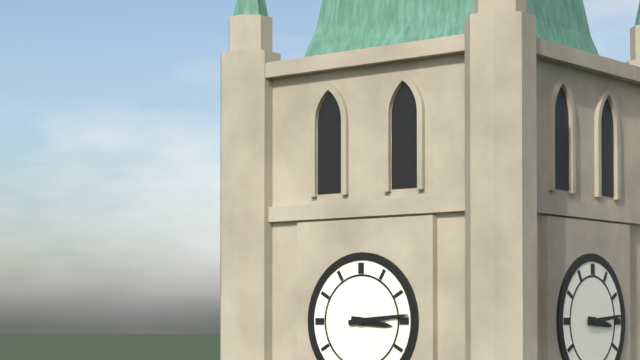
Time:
h=3 m=14
